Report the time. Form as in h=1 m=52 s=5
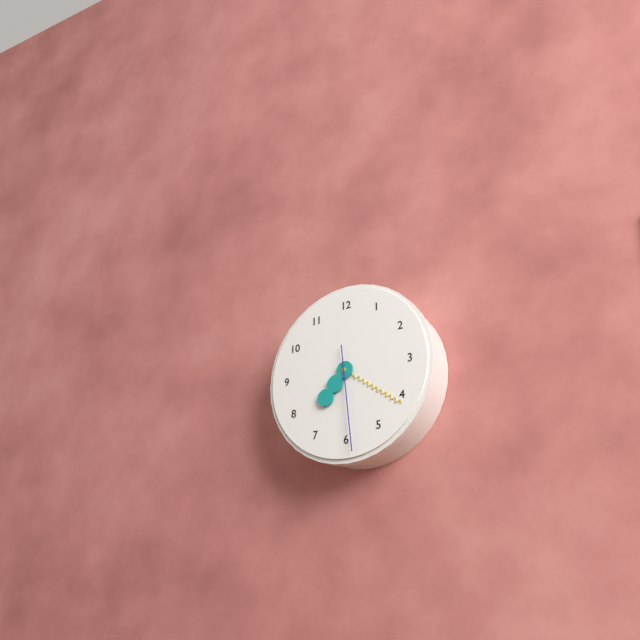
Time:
h=7 m=21 s=29
